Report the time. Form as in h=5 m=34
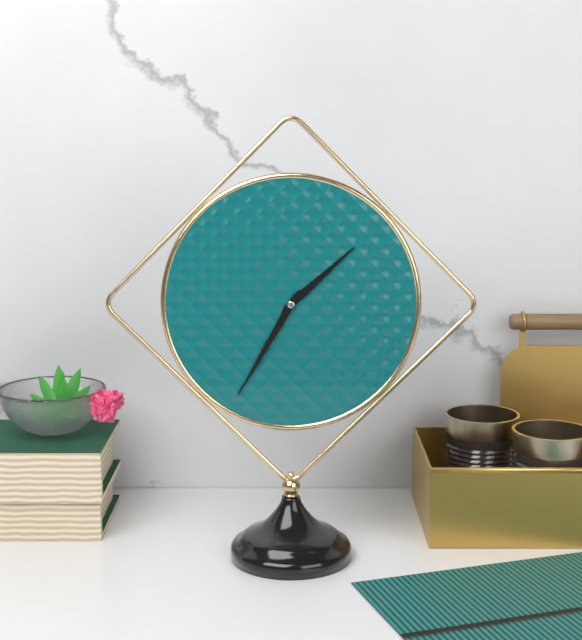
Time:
h=1 m=35
